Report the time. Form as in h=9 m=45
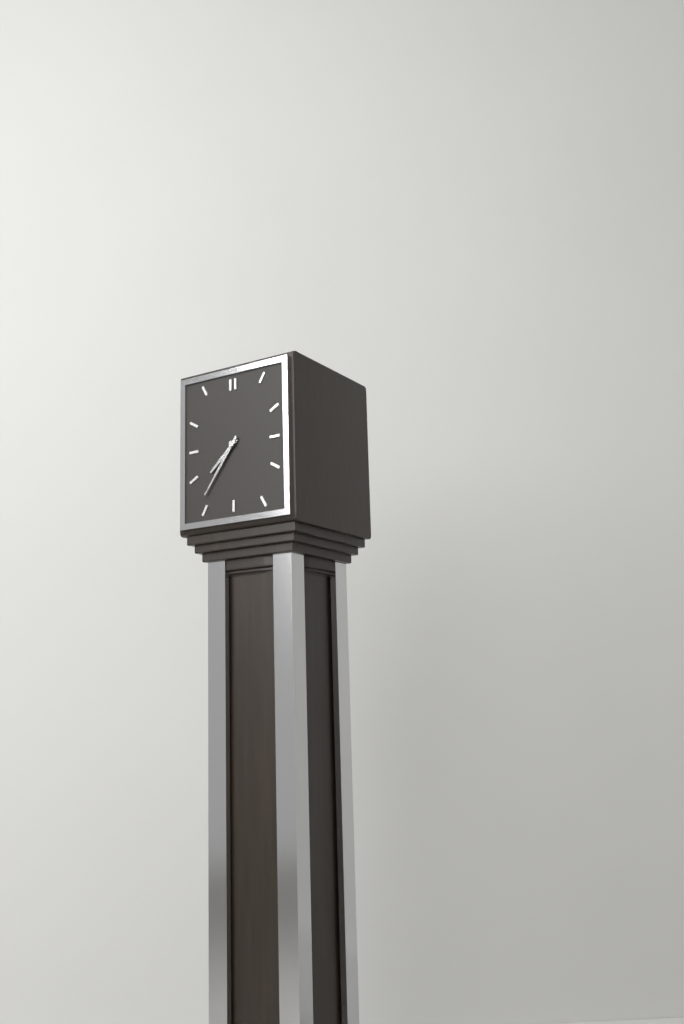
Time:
h=7 m=36
